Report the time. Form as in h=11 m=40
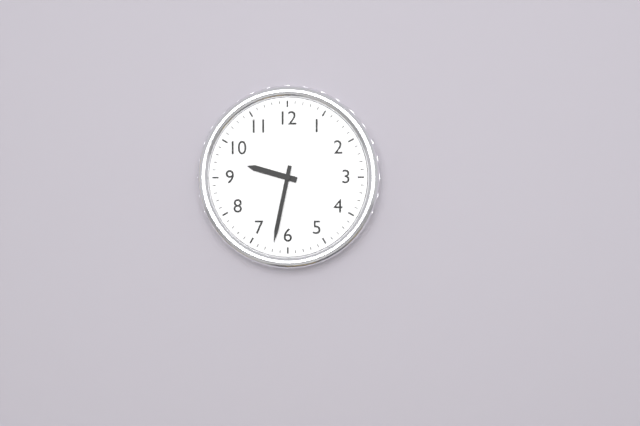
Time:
h=9 m=32
